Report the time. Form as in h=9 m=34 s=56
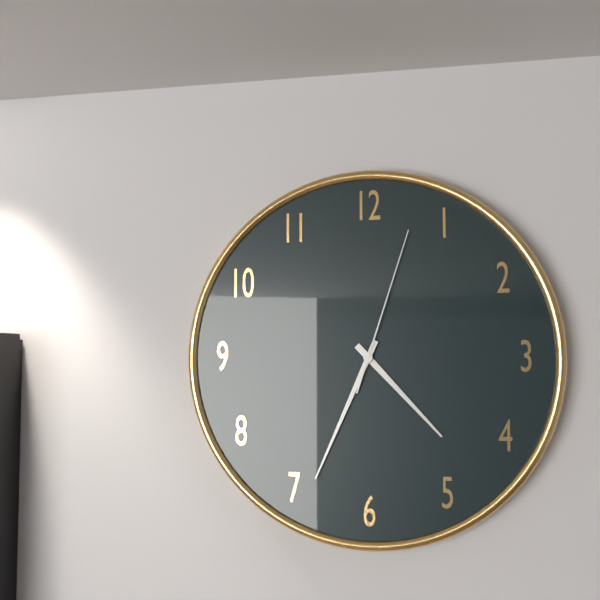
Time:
h=4 m=34 s=3
